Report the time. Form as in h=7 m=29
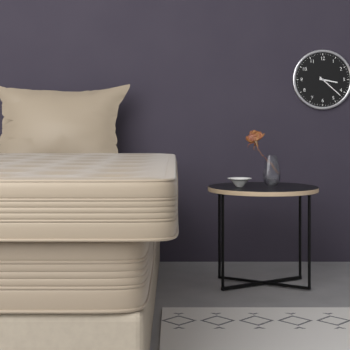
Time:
h=3 m=22
